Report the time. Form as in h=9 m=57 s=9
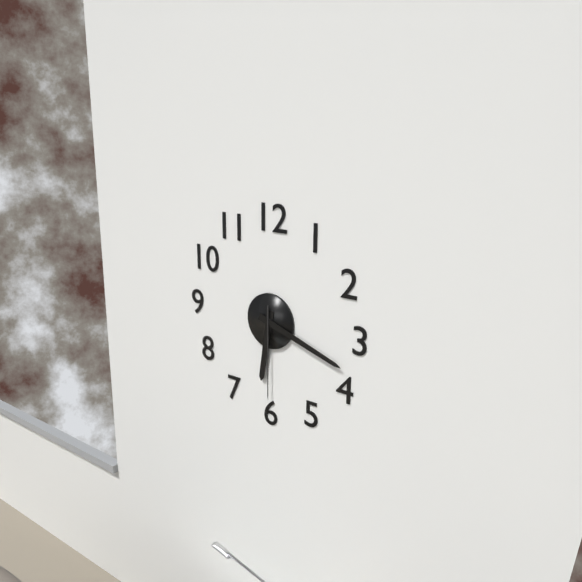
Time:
h=6 m=18 s=30
